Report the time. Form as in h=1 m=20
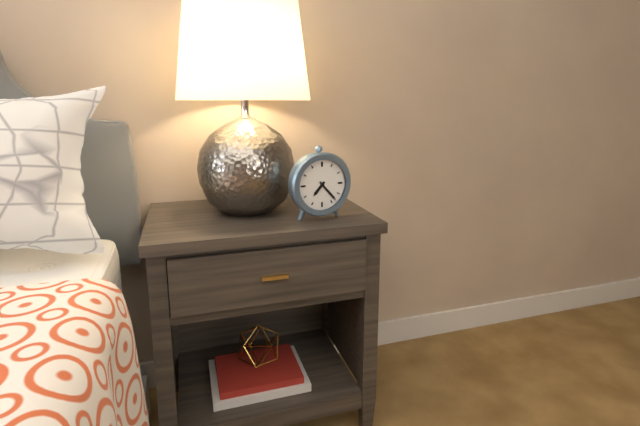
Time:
h=7 m=23
